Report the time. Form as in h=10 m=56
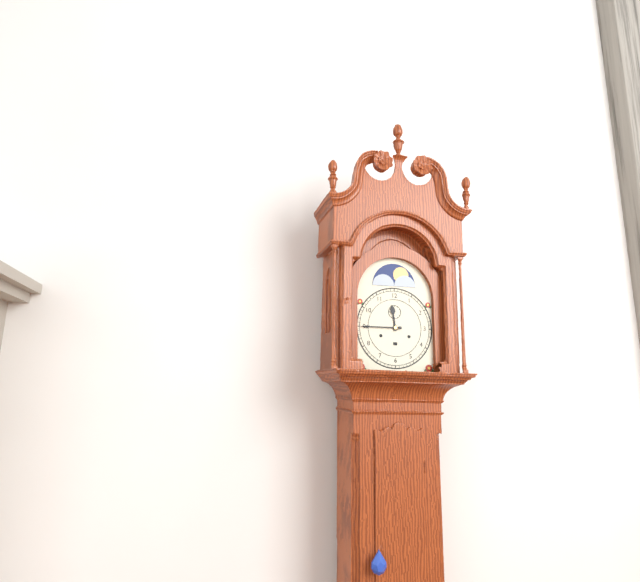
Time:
h=11 m=45
